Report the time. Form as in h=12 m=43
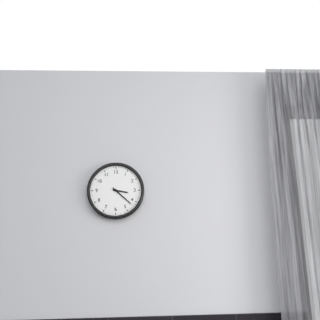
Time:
h=3 m=22
